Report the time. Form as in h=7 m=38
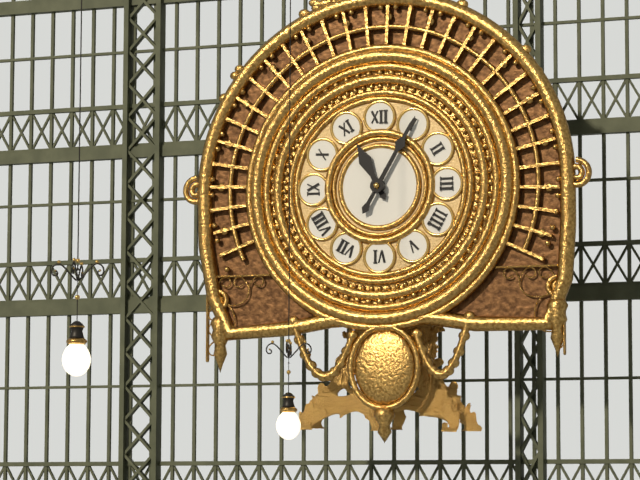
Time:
h=11 m=5
